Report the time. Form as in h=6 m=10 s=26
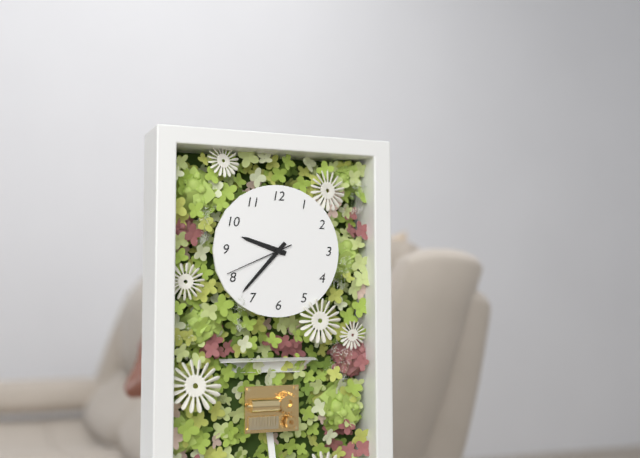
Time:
h=9 m=37 s=41
